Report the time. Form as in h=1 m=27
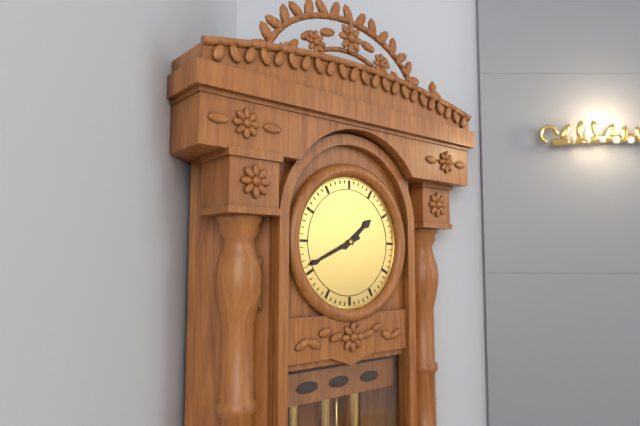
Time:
h=1 m=41
